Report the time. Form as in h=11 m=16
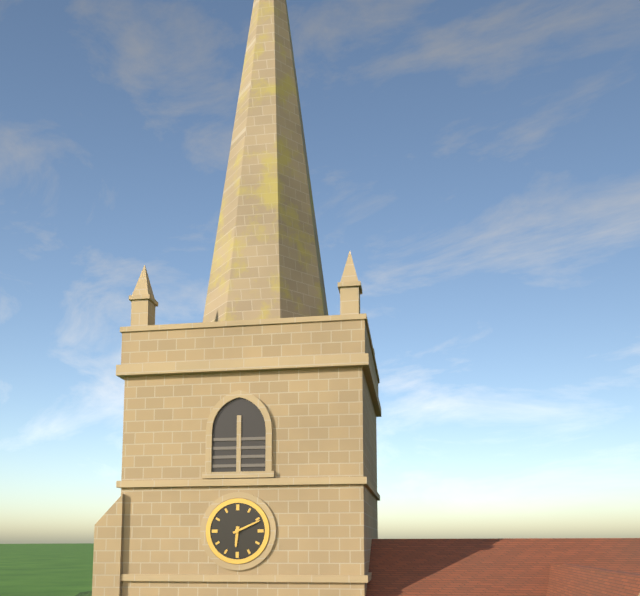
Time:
h=6 m=11
